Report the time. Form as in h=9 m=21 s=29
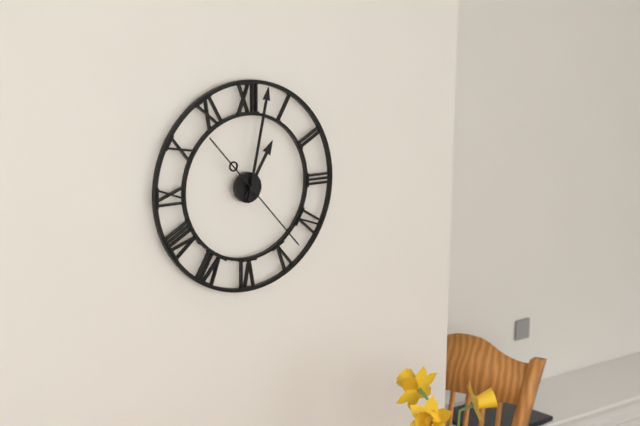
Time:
h=1 m=2 s=23
